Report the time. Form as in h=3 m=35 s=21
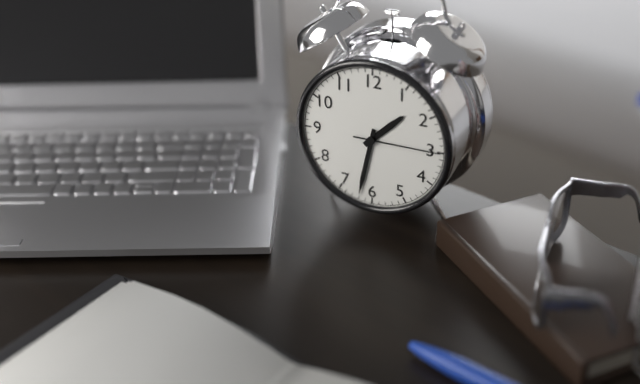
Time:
h=1 m=32 s=15
